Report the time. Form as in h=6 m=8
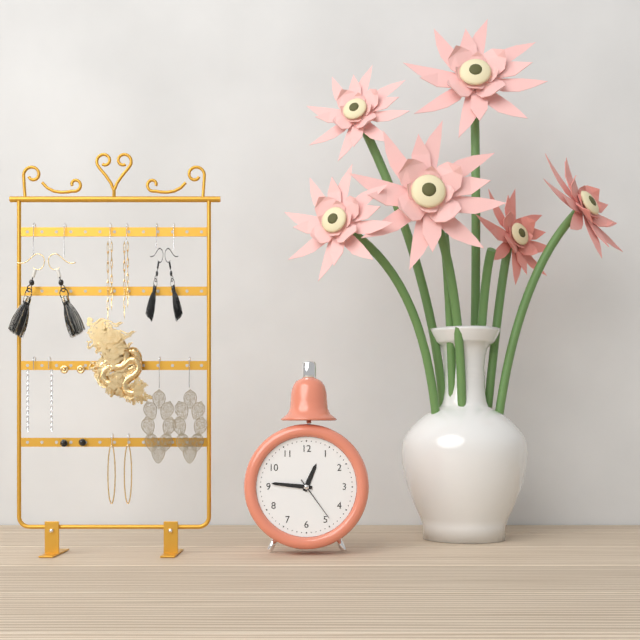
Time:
h=12 m=46
